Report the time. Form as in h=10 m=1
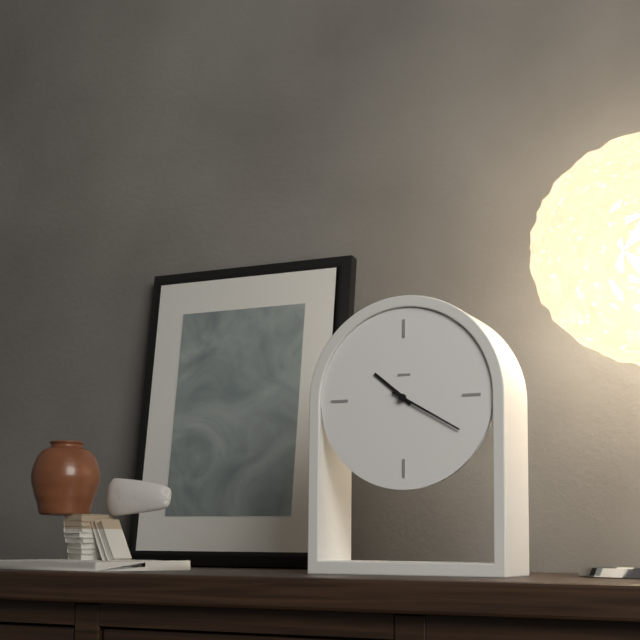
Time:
h=10 m=20
